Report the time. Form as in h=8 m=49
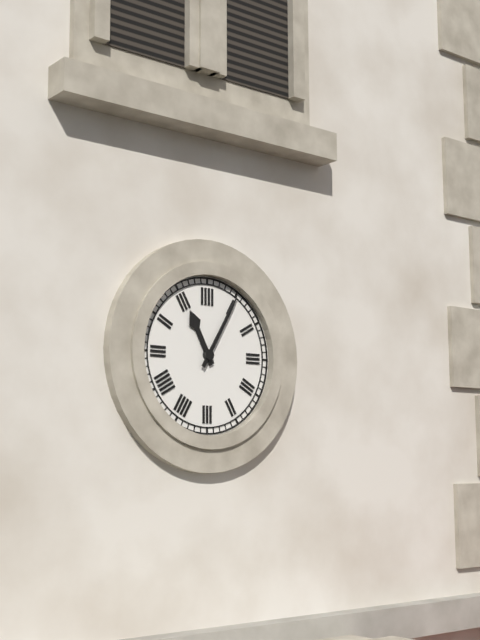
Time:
h=11 m=5
